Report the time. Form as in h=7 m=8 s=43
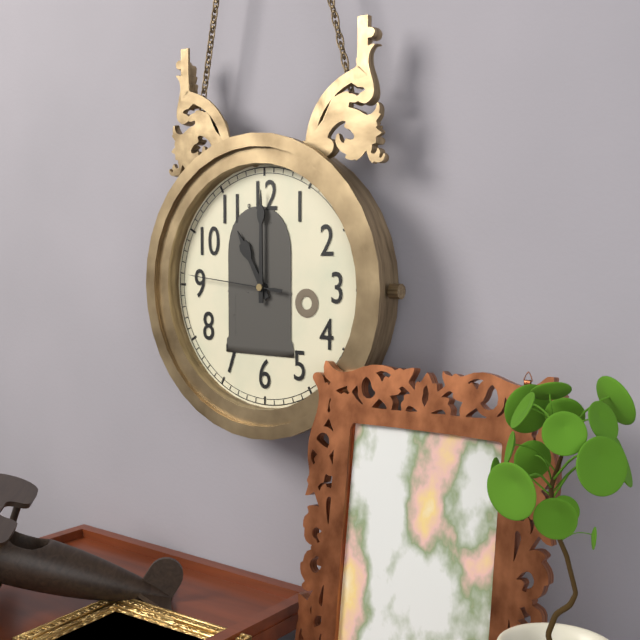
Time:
h=11 m=0 s=46
